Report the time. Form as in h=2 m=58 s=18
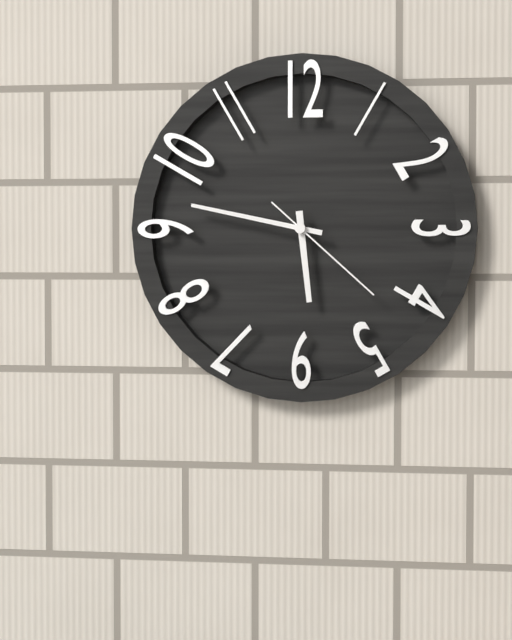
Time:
h=5 m=47 s=22
